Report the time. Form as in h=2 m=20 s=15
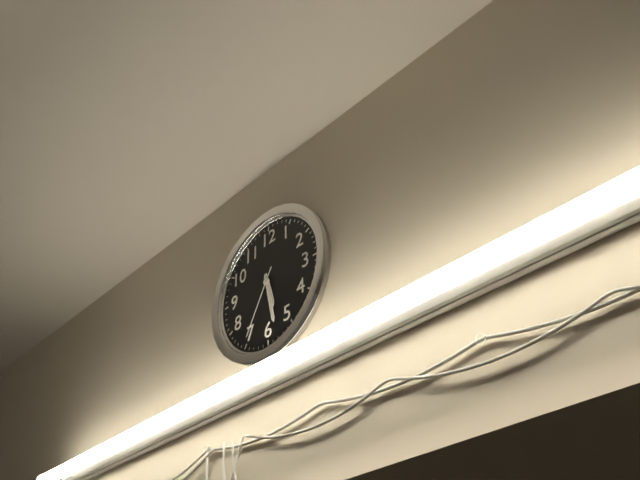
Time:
h=5 m=28 s=35
